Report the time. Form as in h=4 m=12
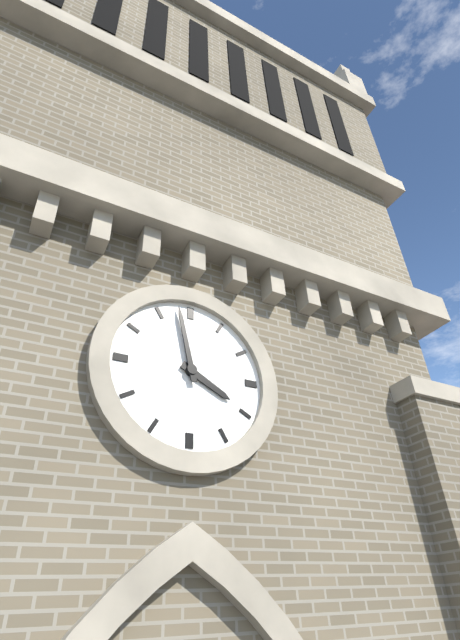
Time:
h=3 m=58
